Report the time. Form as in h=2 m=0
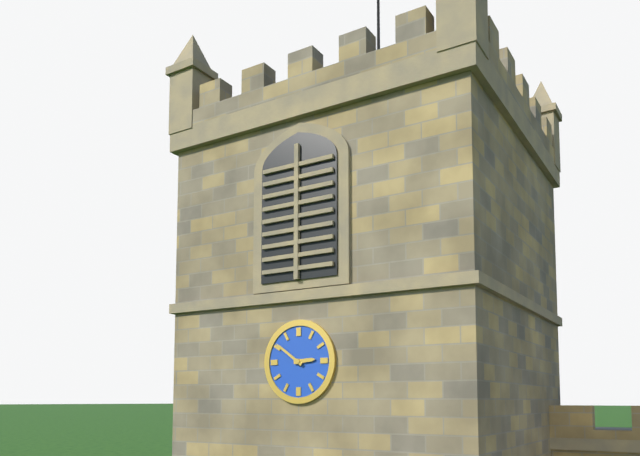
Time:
h=2 m=51
